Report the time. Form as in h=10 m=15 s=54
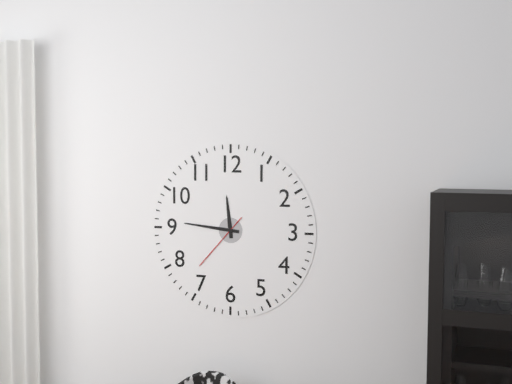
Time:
h=11 m=46 s=37
